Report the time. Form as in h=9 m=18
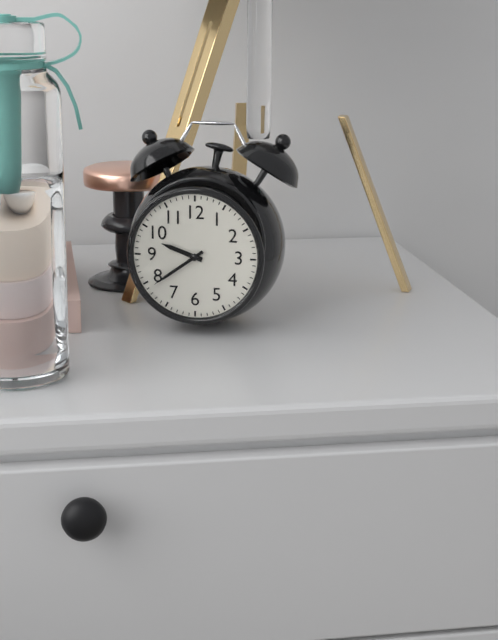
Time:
h=9 m=39
